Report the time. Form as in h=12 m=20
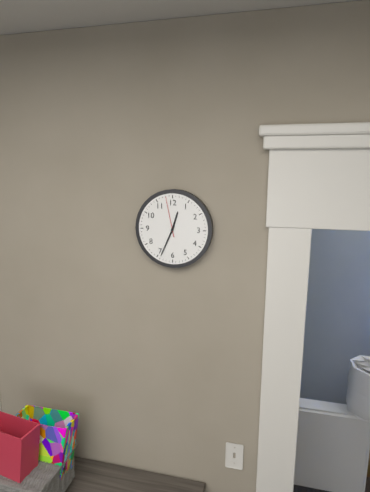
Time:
h=12 m=34
